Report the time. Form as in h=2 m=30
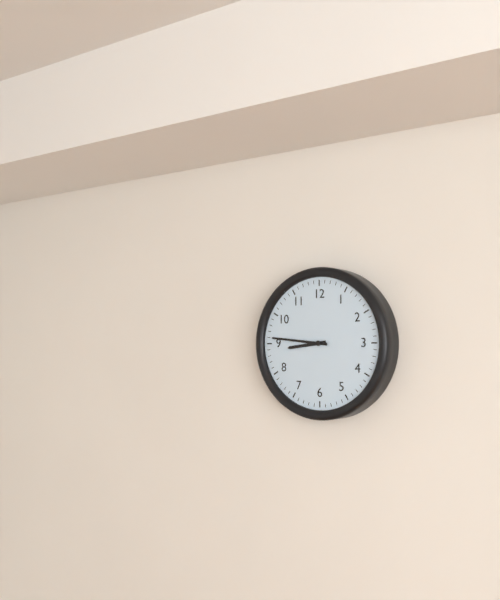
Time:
h=8 m=46
